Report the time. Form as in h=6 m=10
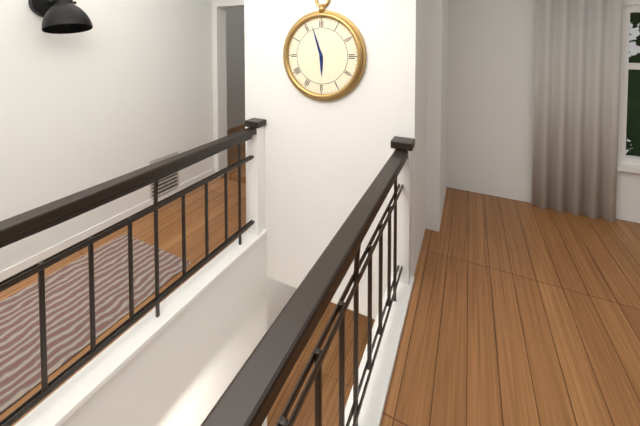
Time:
h=5 m=57
